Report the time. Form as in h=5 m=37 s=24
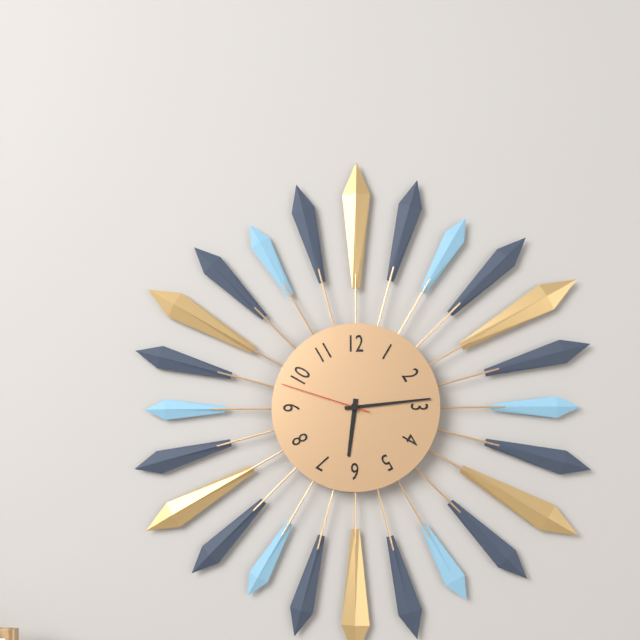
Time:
h=6 m=14 s=48
